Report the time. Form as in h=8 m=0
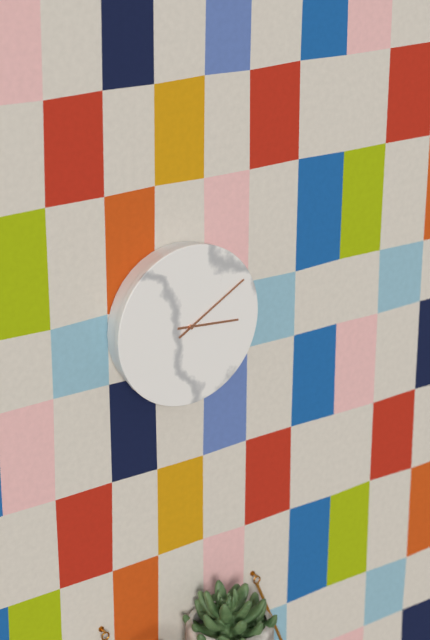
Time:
h=3 m=10
